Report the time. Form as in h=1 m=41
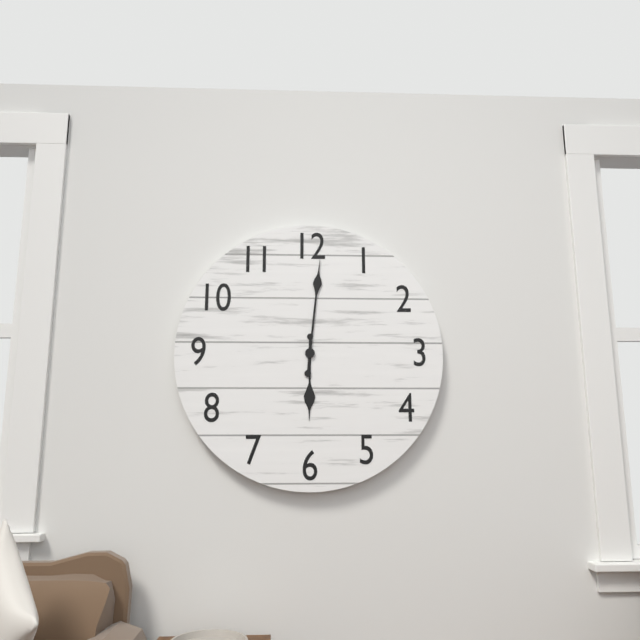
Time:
h=6 m=1
